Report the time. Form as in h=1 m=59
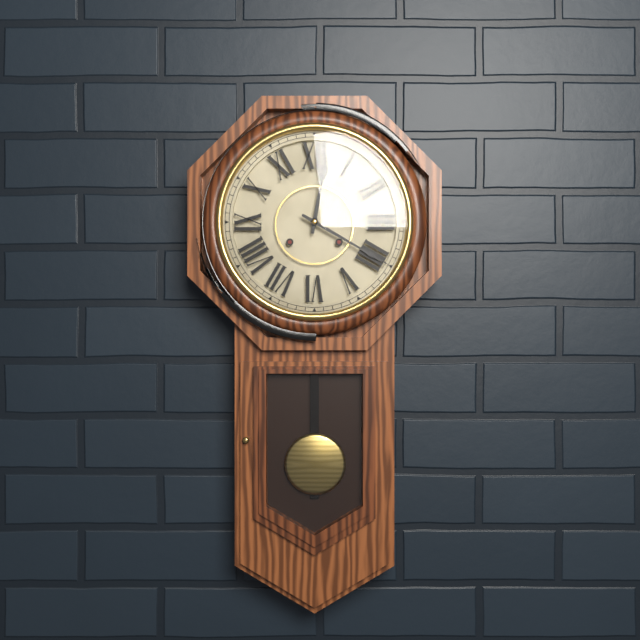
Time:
h=12 m=20
